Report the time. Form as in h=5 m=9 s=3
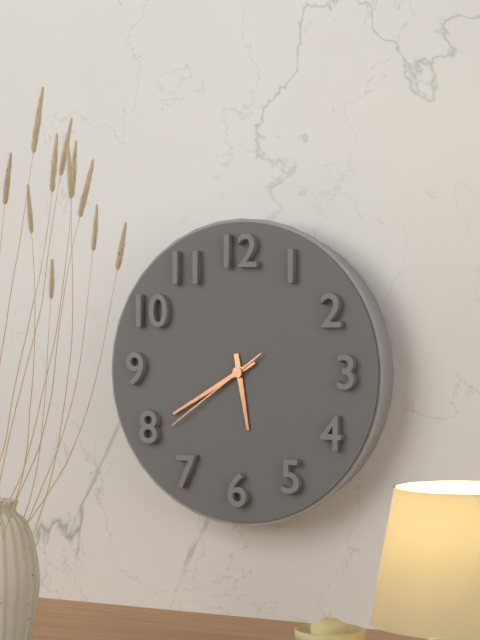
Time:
h=5 m=40 s=39
